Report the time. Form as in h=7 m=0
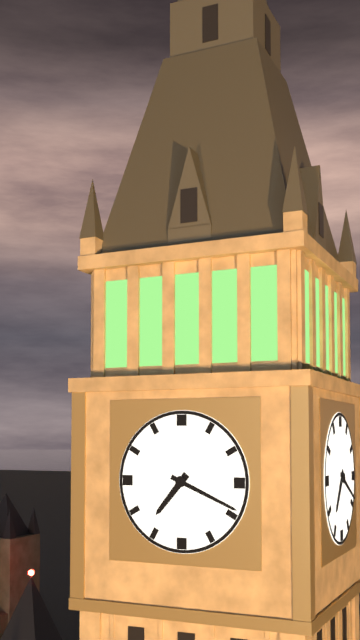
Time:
h=7 m=19
